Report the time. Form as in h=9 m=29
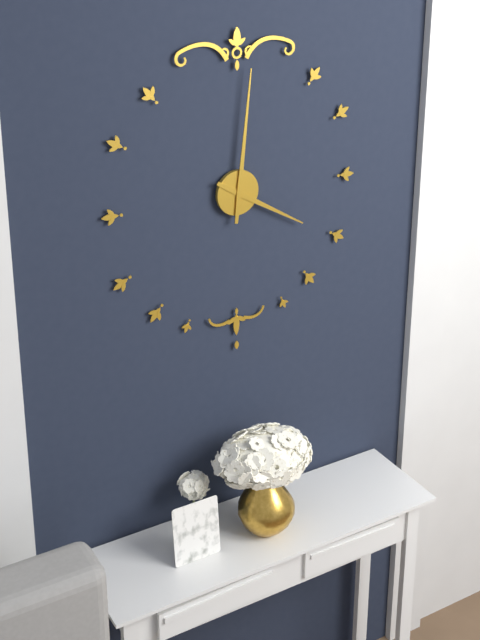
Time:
h=4 m=1
